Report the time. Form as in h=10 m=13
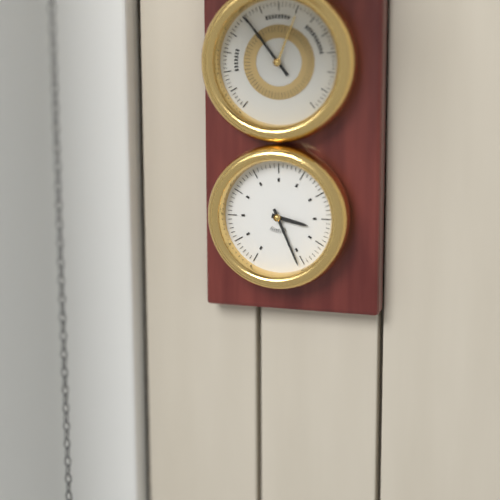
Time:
h=3 m=26
